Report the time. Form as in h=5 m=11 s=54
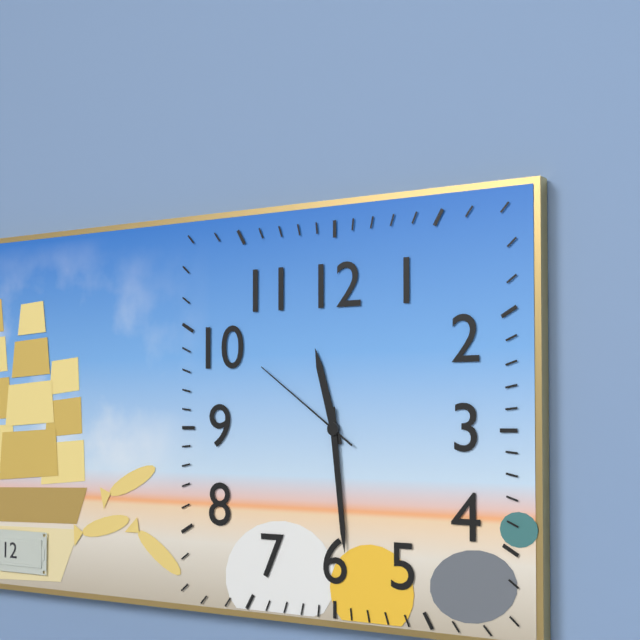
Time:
h=11 m=29 s=51
